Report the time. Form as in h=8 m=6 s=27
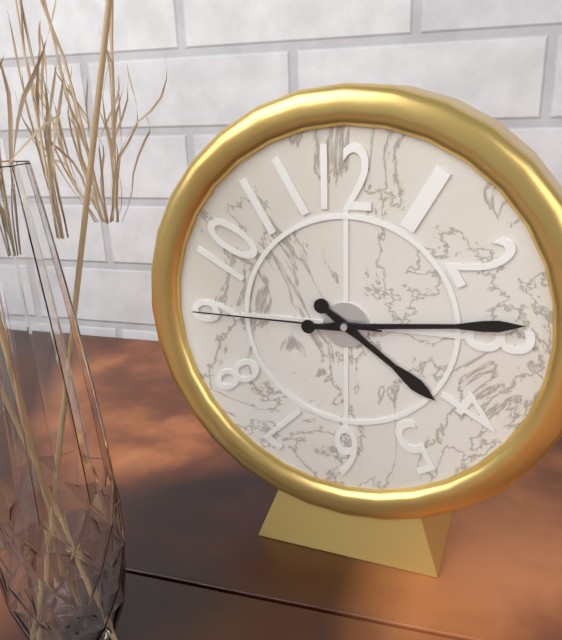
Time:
h=4 m=14 s=45
